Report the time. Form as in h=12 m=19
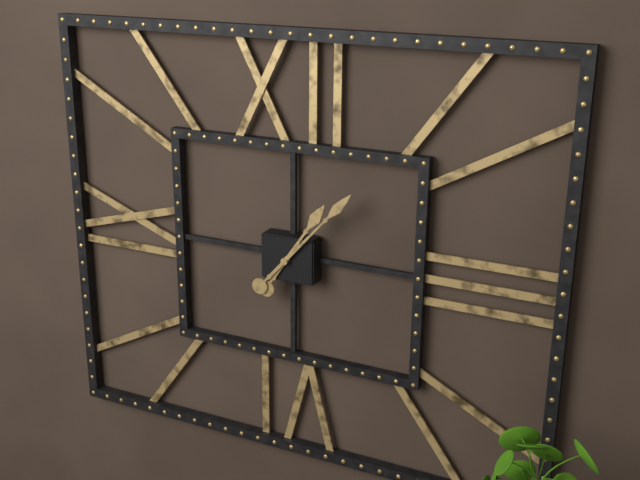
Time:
h=1 m=7
